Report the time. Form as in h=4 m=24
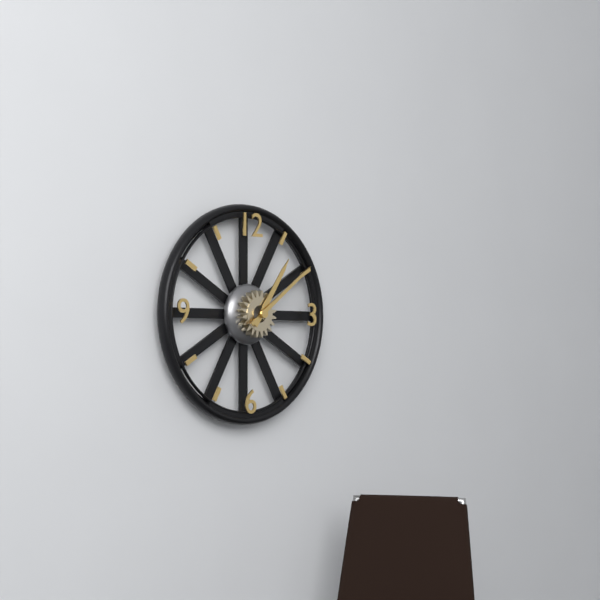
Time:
h=1 m=9
